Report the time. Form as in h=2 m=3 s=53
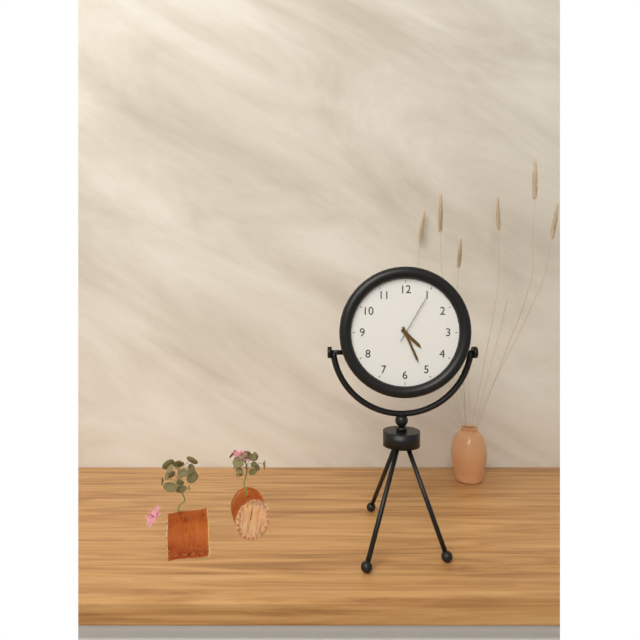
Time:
h=4 m=26 s=5
